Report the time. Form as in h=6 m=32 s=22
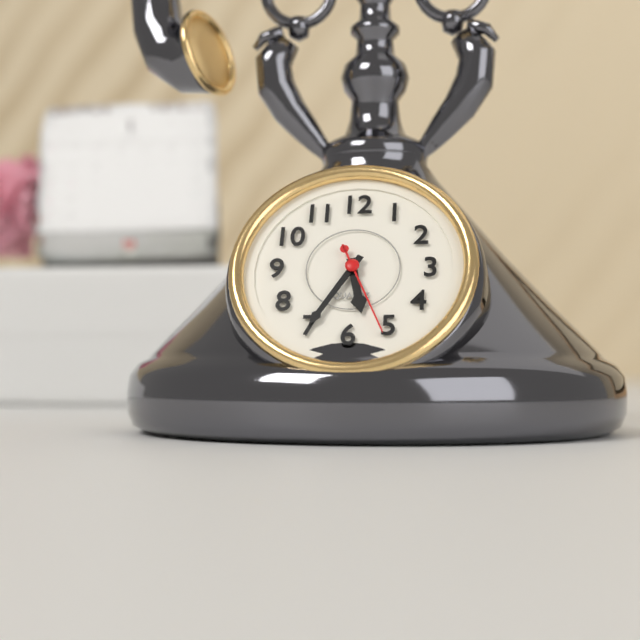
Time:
h=5 m=35 s=26
